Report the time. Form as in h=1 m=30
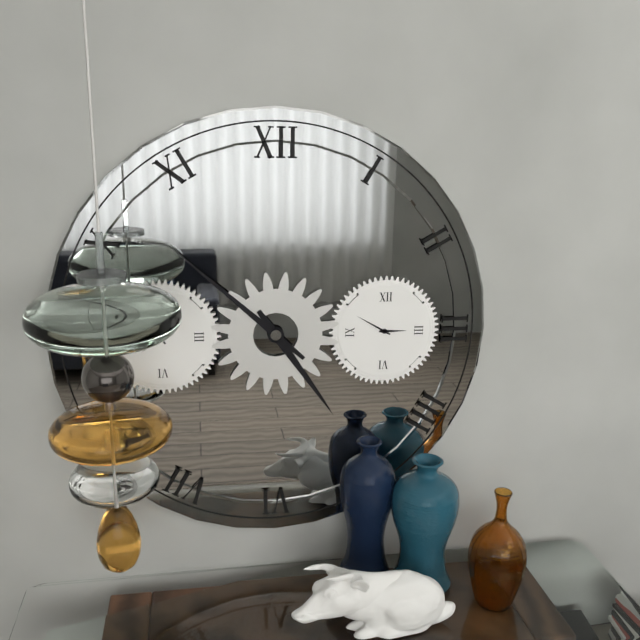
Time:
h=4 m=52
